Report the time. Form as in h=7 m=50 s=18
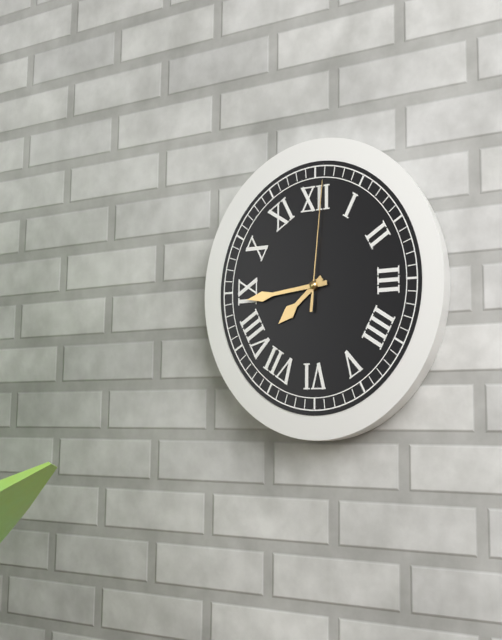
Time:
h=7 m=44 s=1
